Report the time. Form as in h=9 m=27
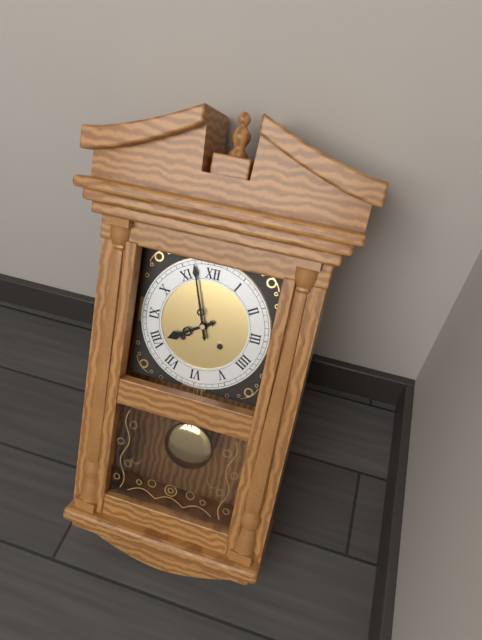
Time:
h=7 m=57
